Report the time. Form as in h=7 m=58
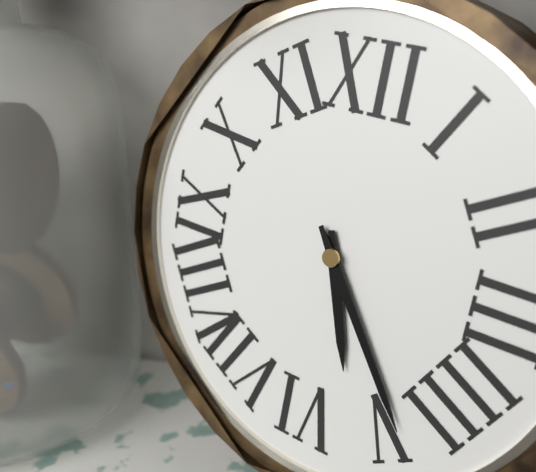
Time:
h=5 m=24
